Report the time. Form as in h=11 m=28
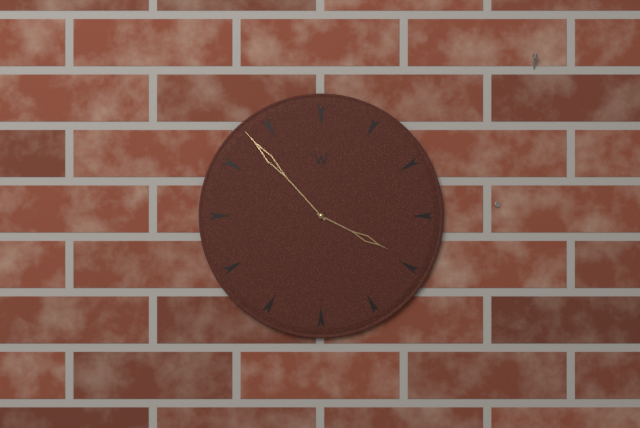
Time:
h=3 m=53
